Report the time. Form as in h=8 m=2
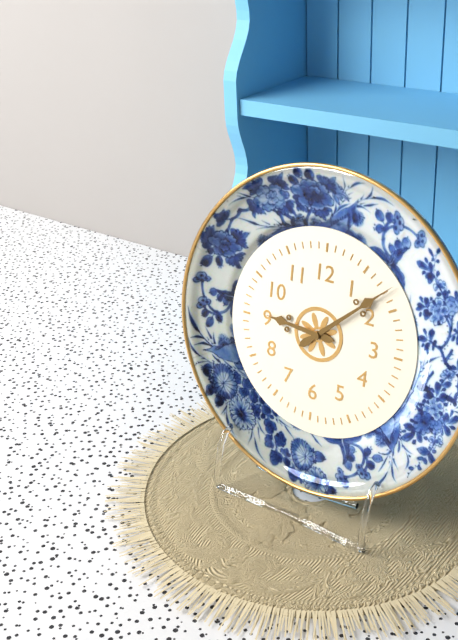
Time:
h=9 m=8
